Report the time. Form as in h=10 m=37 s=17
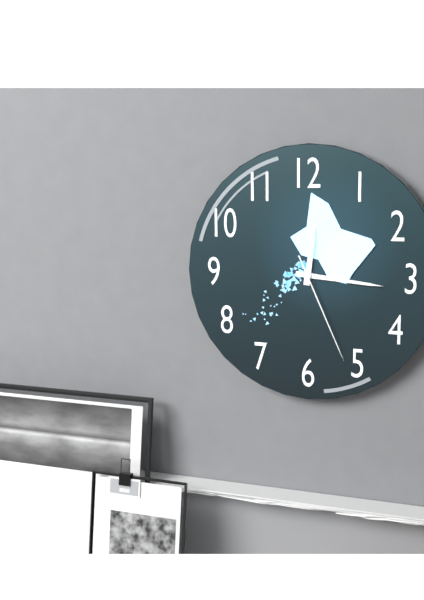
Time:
h=12 m=16 s=26
